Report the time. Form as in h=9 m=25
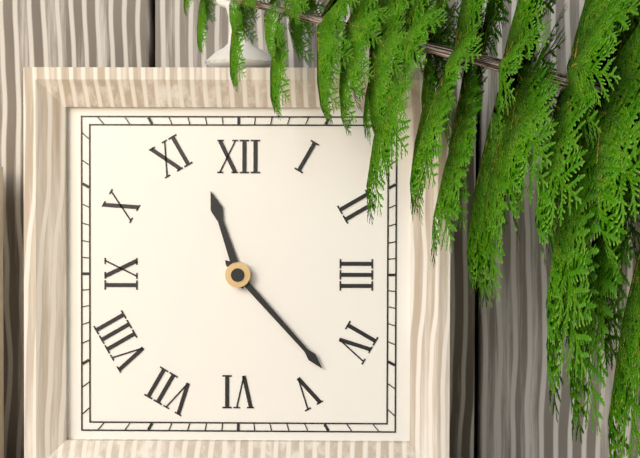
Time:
h=11 m=23
